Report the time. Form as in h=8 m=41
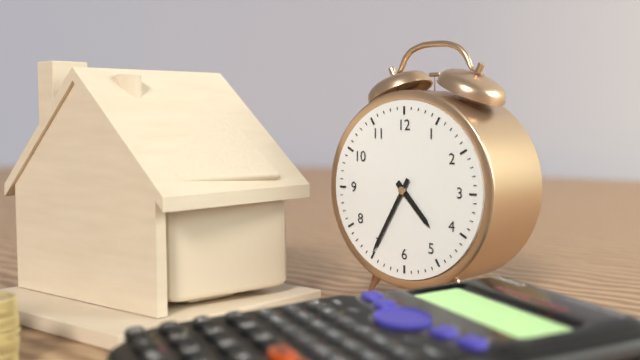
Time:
h=4 m=35
